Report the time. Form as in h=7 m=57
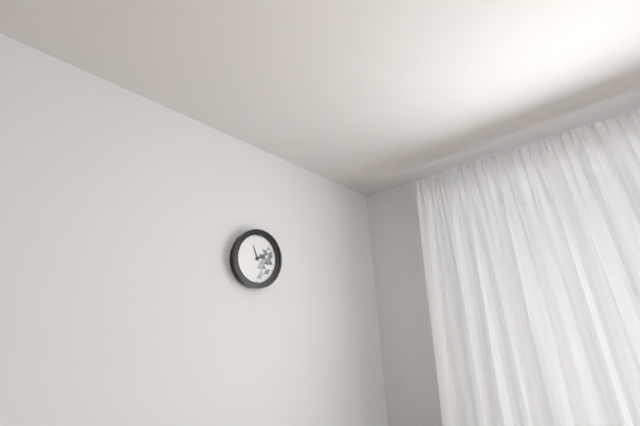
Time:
h=11 m=11
